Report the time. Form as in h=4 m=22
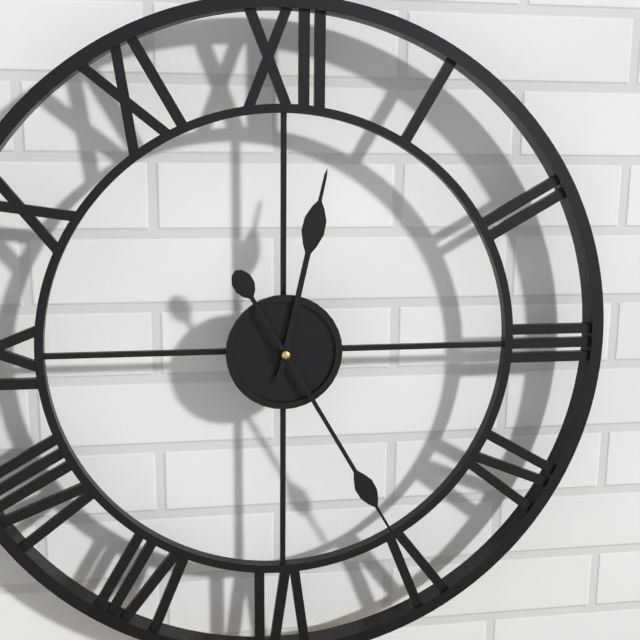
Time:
h=12 m=25
